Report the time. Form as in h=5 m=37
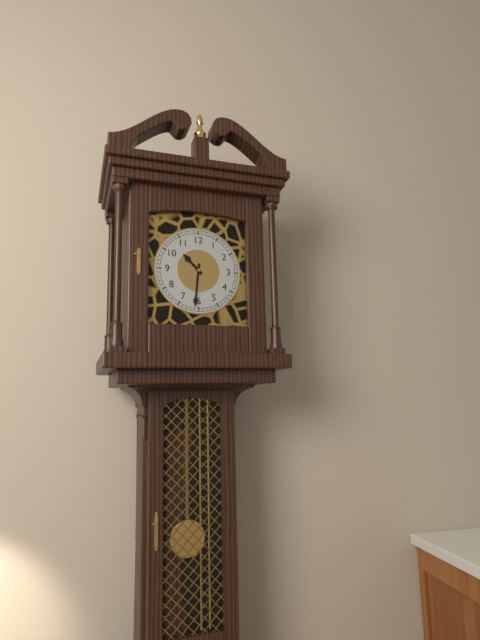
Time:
h=10 m=31
